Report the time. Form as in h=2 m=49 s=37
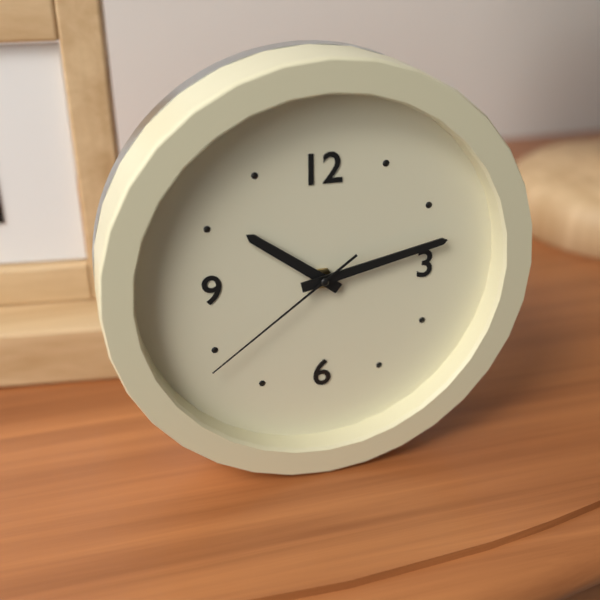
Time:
h=10 m=13 s=39
